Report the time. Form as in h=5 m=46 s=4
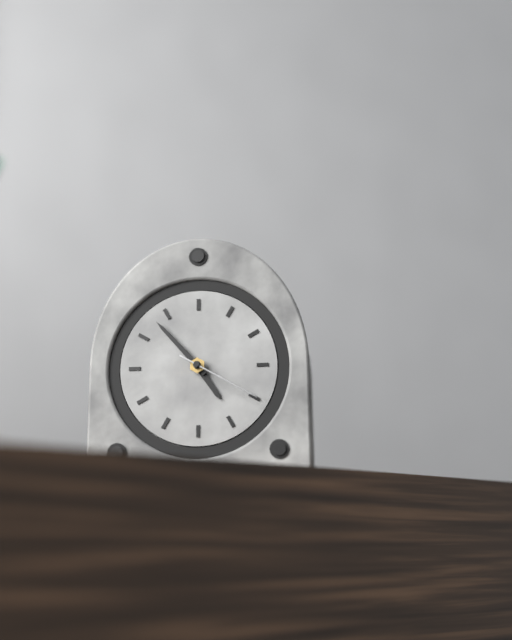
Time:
h=4 m=53 s=20
